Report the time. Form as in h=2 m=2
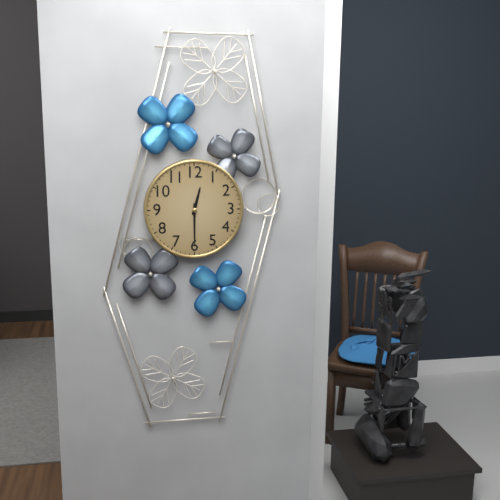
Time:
h=12 m=30
